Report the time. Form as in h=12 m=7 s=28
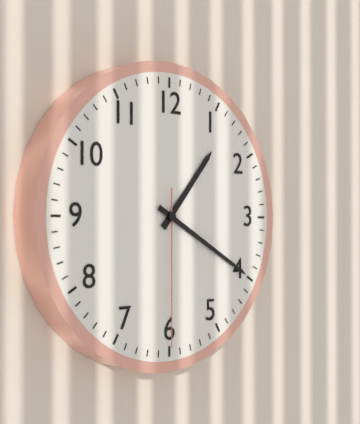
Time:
h=1 m=20 s=30
